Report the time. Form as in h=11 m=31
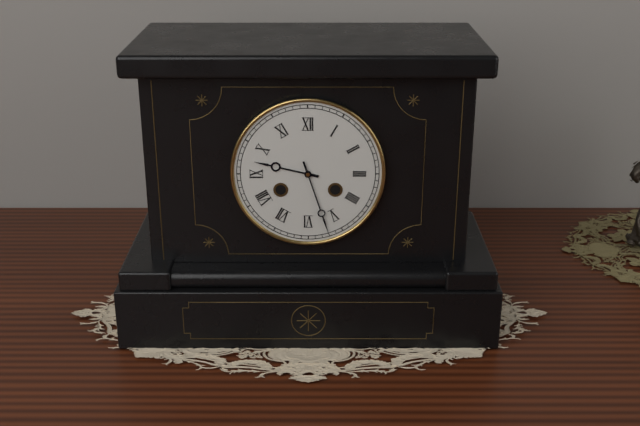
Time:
h=9 m=27
